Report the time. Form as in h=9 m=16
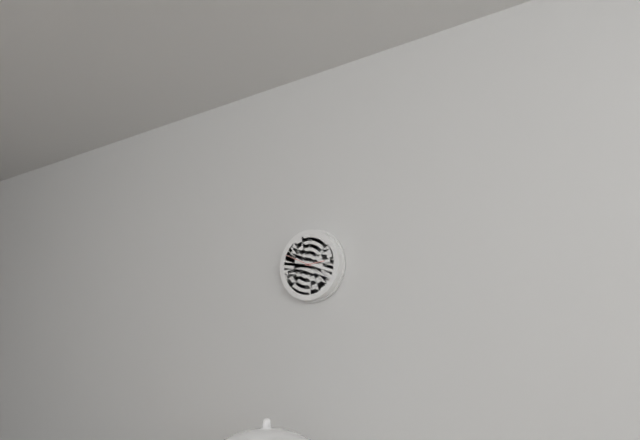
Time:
h=2 m=49
